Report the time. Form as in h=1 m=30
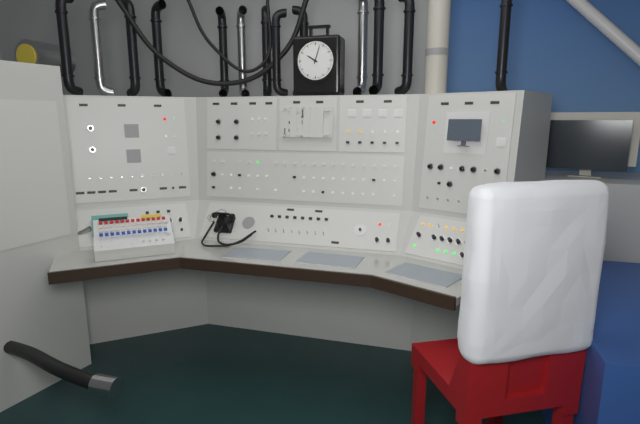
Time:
h=10 m=3
